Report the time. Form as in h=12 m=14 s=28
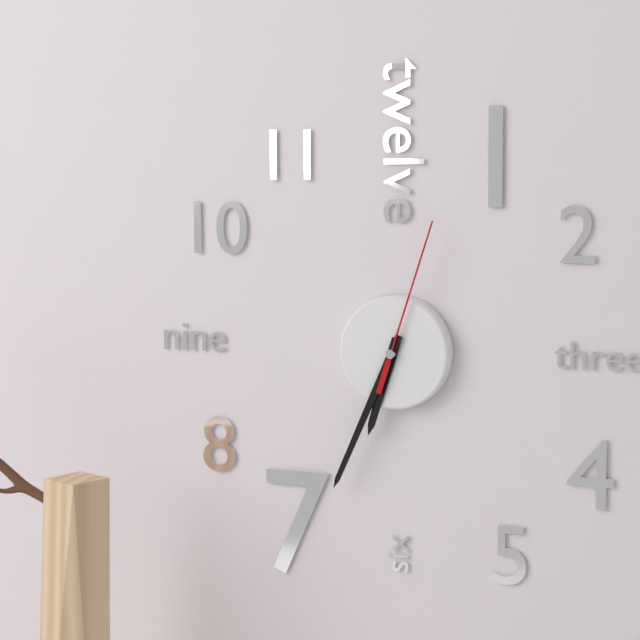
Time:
h=6 m=34 s=3
